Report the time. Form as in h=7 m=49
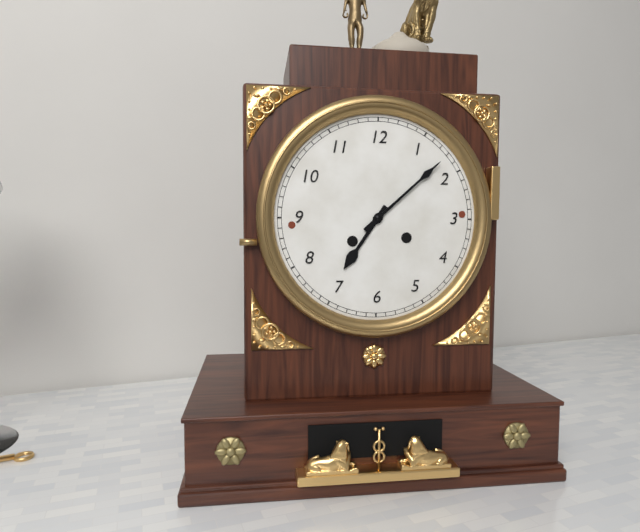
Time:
h=7 m=8
